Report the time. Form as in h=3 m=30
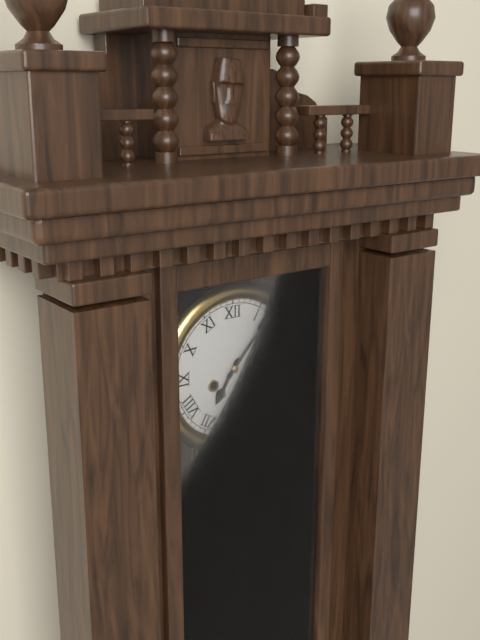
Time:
h=7 m=7
